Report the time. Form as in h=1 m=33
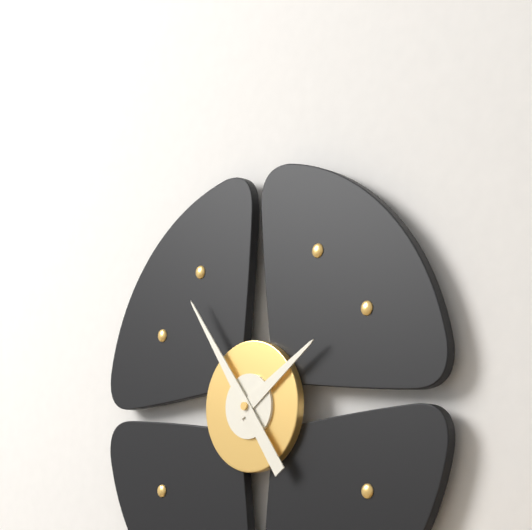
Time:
h=1 m=54
